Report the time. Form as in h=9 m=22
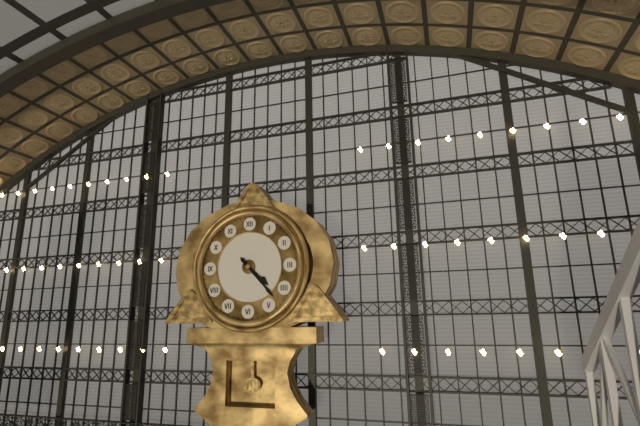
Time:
h=4 m=23
